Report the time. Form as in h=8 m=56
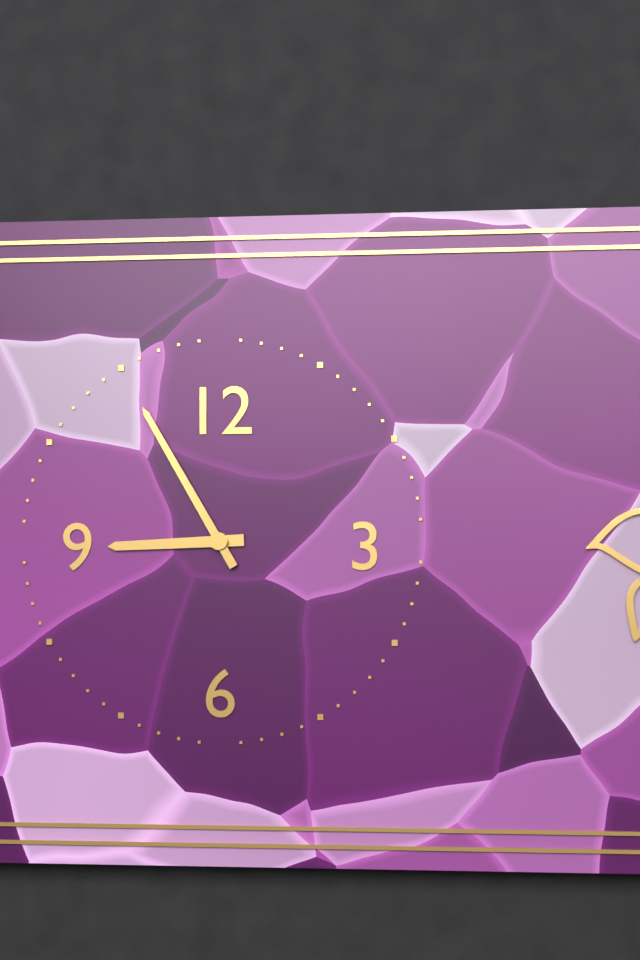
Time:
h=8 m=55
